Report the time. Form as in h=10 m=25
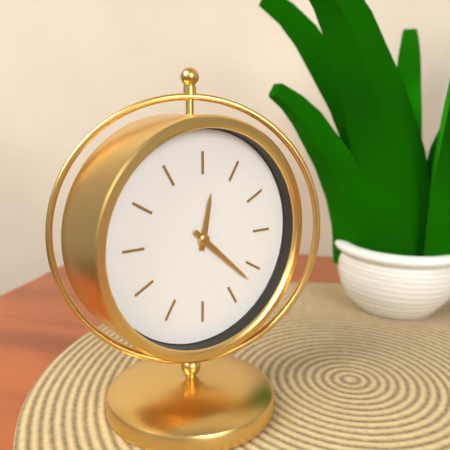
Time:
h=12 m=22
